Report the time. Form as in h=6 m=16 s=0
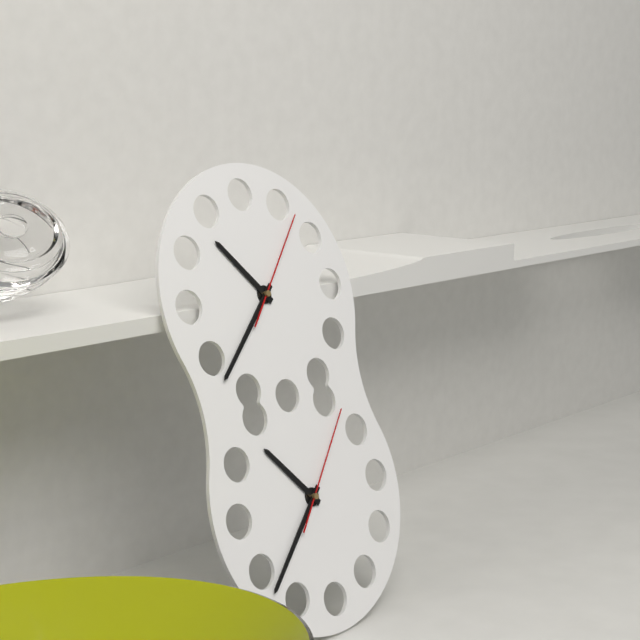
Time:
h=10 m=38 s=7
